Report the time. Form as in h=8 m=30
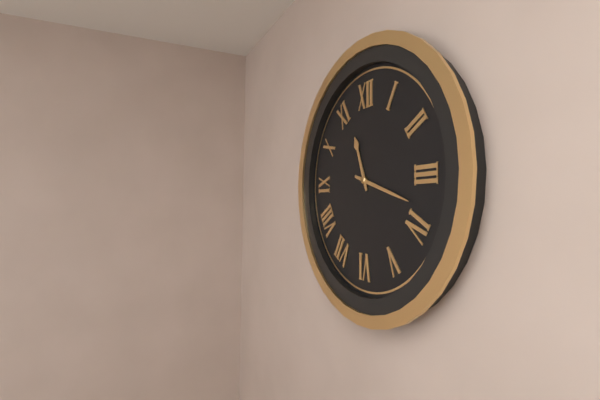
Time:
h=11 m=18
